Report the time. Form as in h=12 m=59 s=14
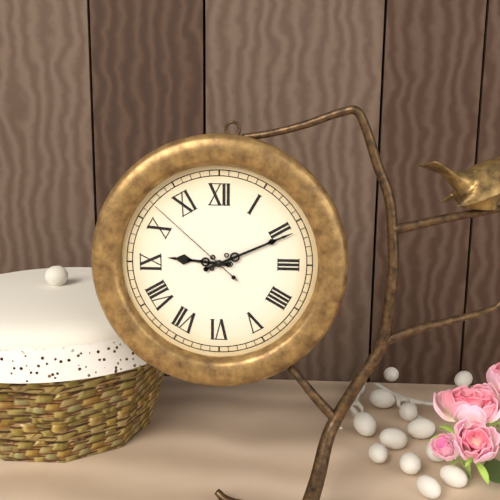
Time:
h=9 m=11 s=52
